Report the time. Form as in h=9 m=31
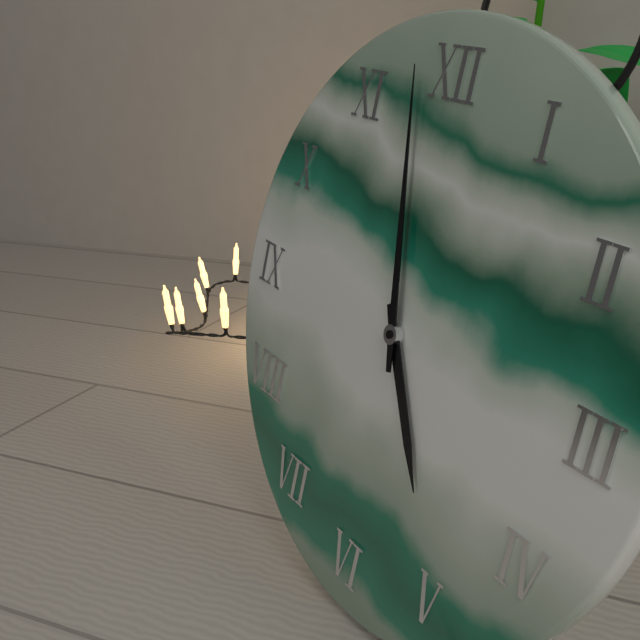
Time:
h=4 m=58
